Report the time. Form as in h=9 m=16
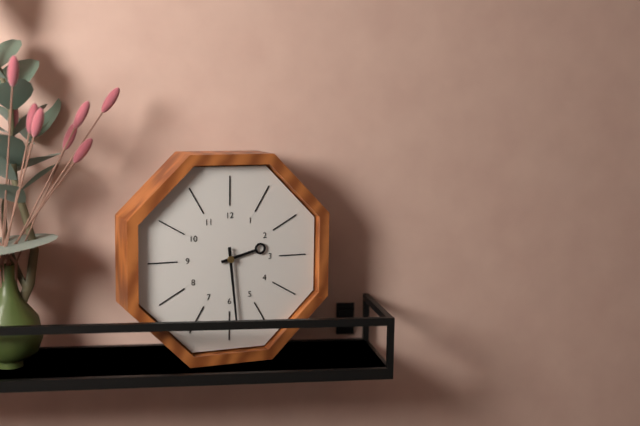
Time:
h=2 m=29
